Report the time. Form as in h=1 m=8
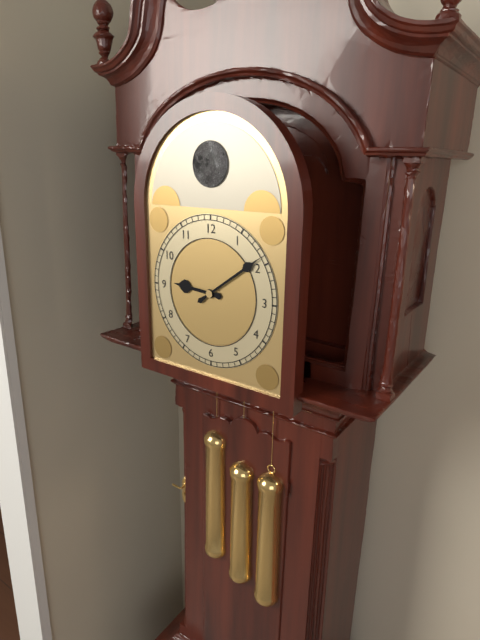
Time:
h=9 m=9
